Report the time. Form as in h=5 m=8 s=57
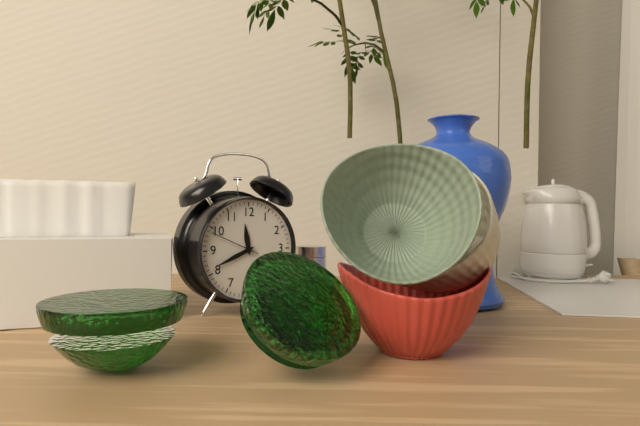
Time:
h=11 m=41 s=49
